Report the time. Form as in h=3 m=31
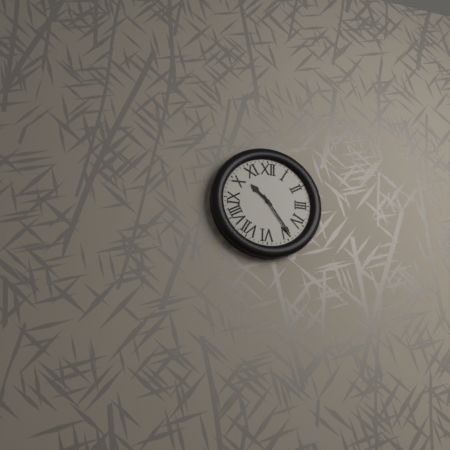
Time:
h=10 m=24
